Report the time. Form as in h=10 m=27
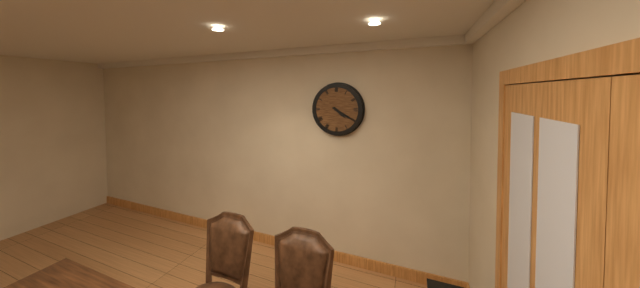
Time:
h=4 m=20
